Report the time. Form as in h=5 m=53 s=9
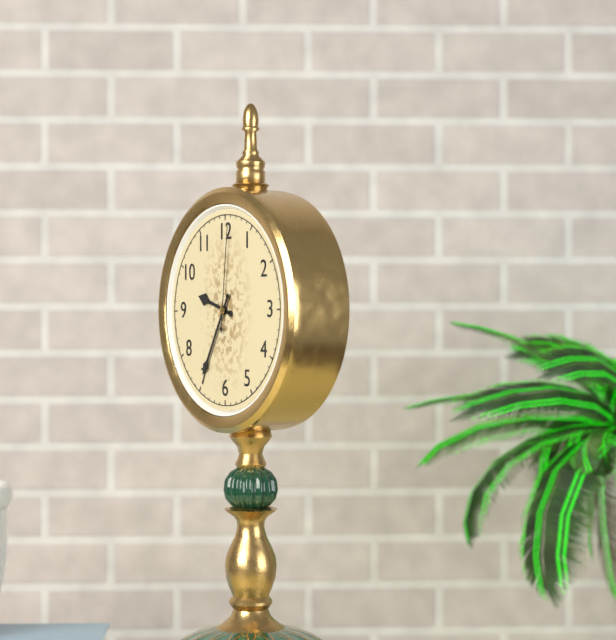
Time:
h=9 m=35 s=1
